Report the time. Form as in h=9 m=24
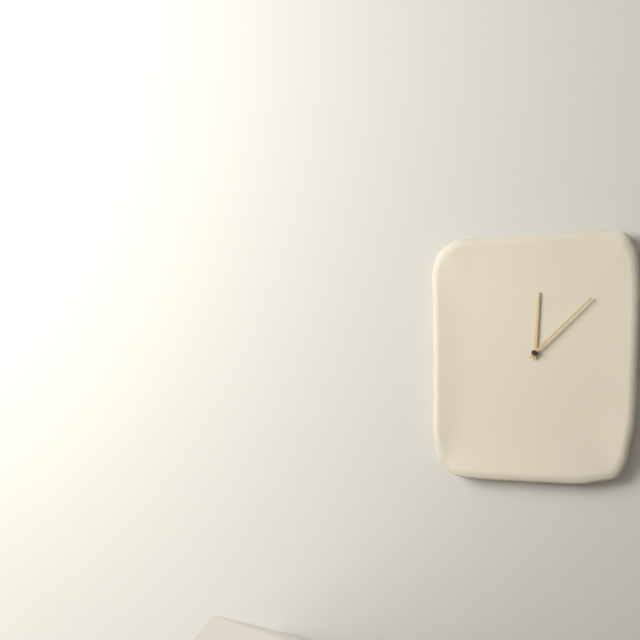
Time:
h=12 m=8
